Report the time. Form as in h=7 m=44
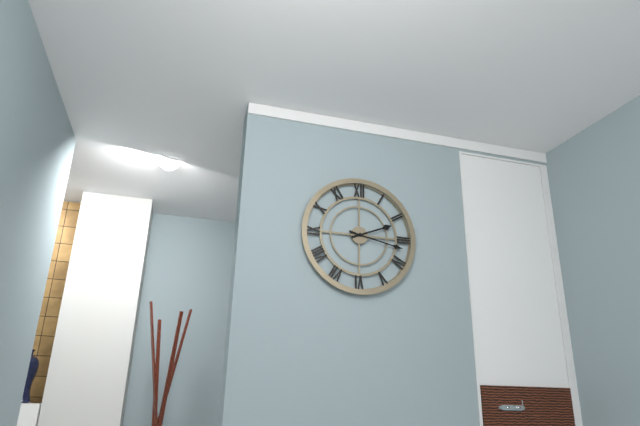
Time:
h=2 m=17
